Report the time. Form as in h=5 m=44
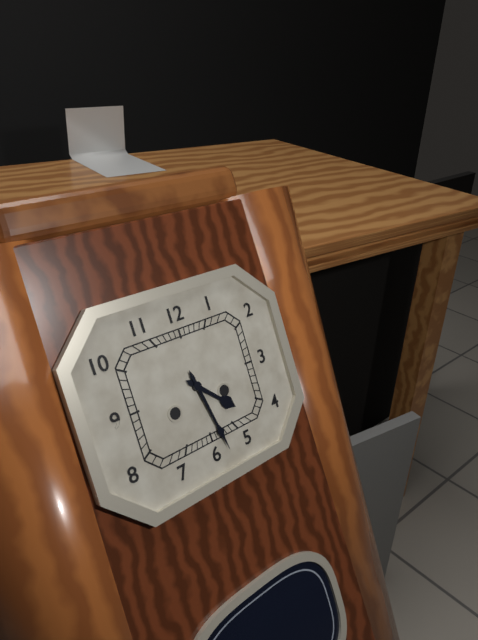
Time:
h=4 m=28
